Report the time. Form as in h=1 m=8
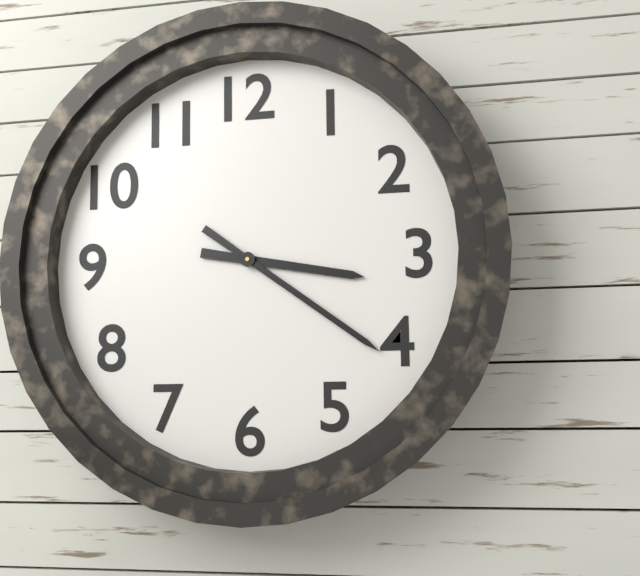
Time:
h=3 m=21
